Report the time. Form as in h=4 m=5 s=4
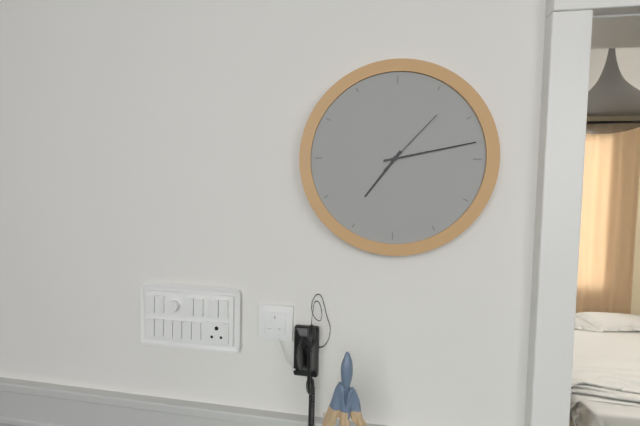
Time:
h=7 m=13 s=7
